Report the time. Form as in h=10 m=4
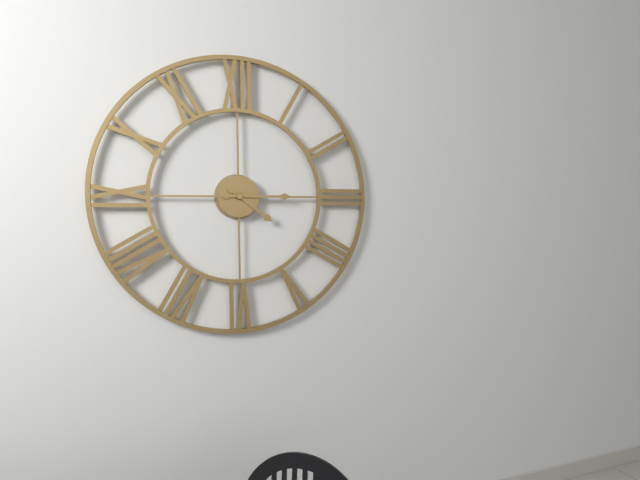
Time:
h=4 m=15
